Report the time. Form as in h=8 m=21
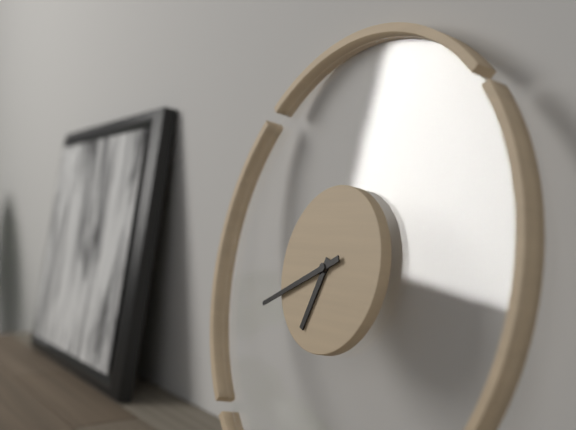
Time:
h=6 m=41
